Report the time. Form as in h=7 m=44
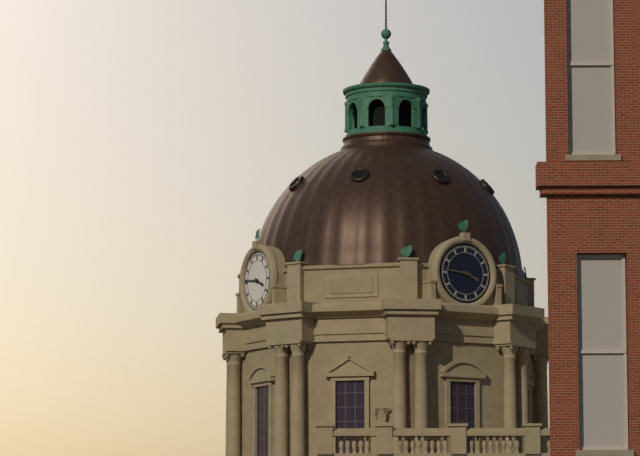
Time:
h=3 m=46
